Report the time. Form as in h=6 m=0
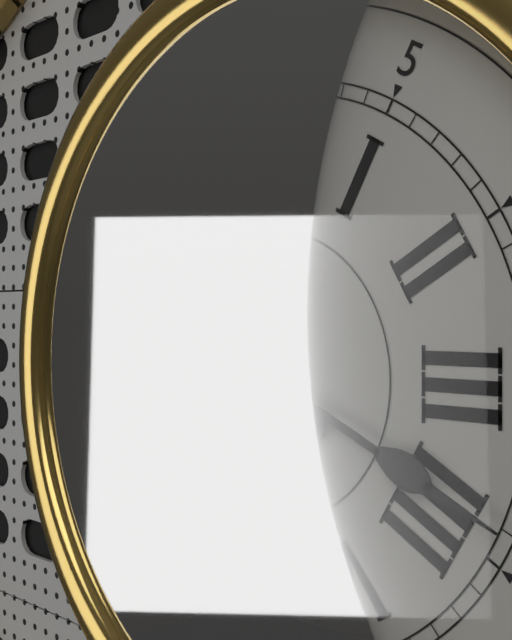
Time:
h=10 m=19
